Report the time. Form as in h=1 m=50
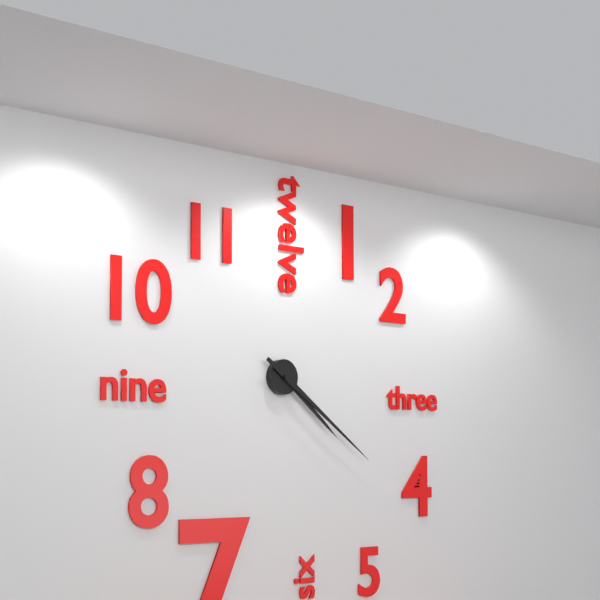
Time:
h=4 m=21
